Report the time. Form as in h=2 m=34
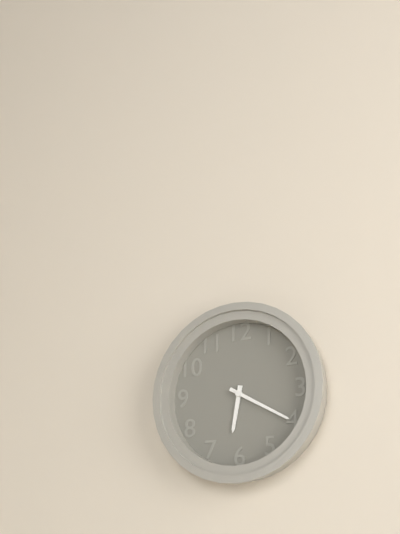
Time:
h=6 m=20
